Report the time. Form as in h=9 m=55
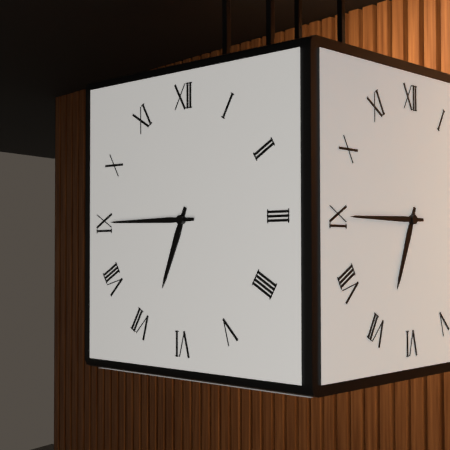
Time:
h=6 m=45
